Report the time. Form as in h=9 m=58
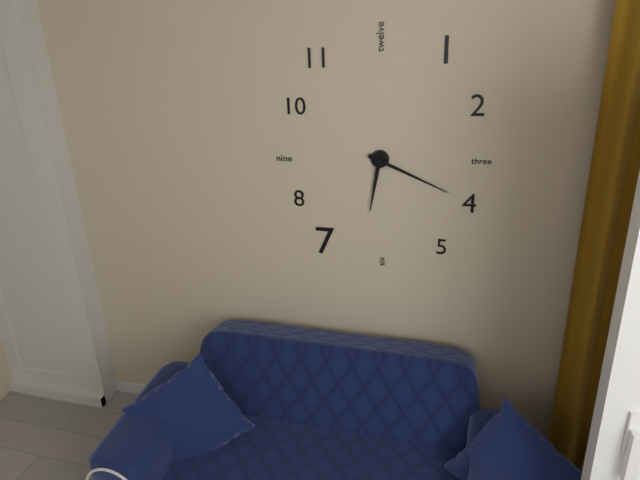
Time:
h=6 m=19
